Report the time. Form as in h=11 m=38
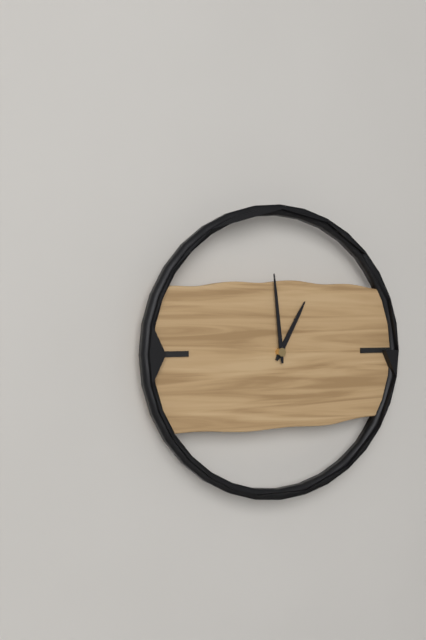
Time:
h=12 m=59
